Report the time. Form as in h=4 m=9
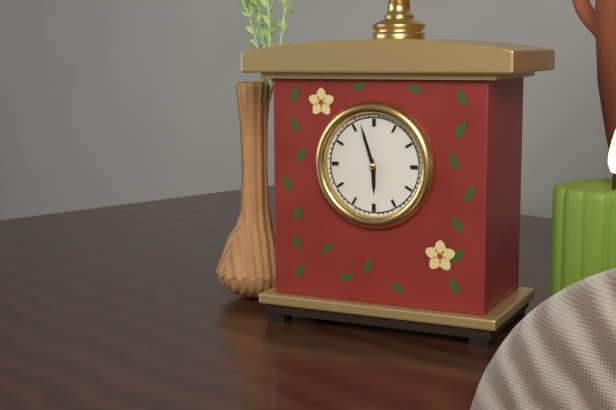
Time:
h=5 m=57
